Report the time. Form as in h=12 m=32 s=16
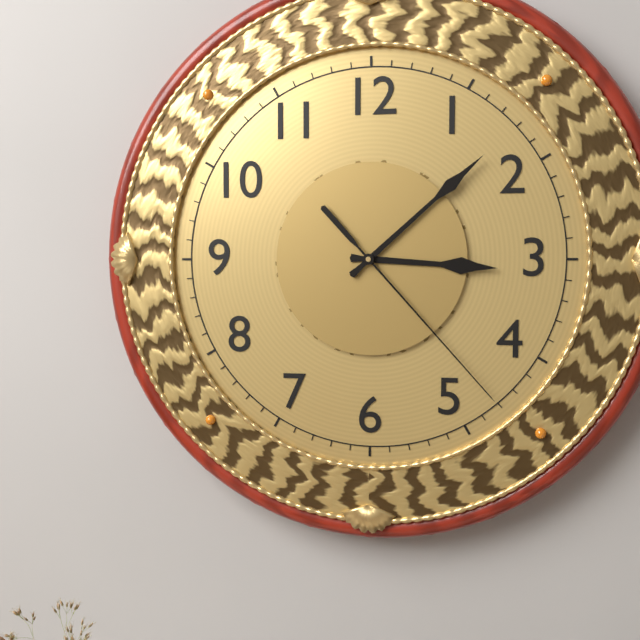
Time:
h=3 m=8 s=23
